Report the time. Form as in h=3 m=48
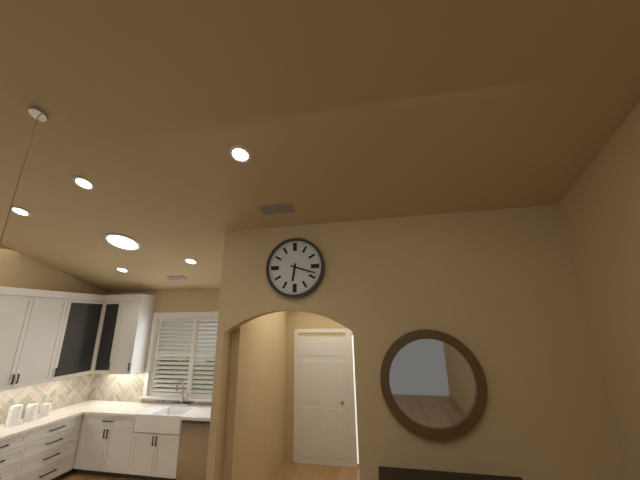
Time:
h=6 m=18
